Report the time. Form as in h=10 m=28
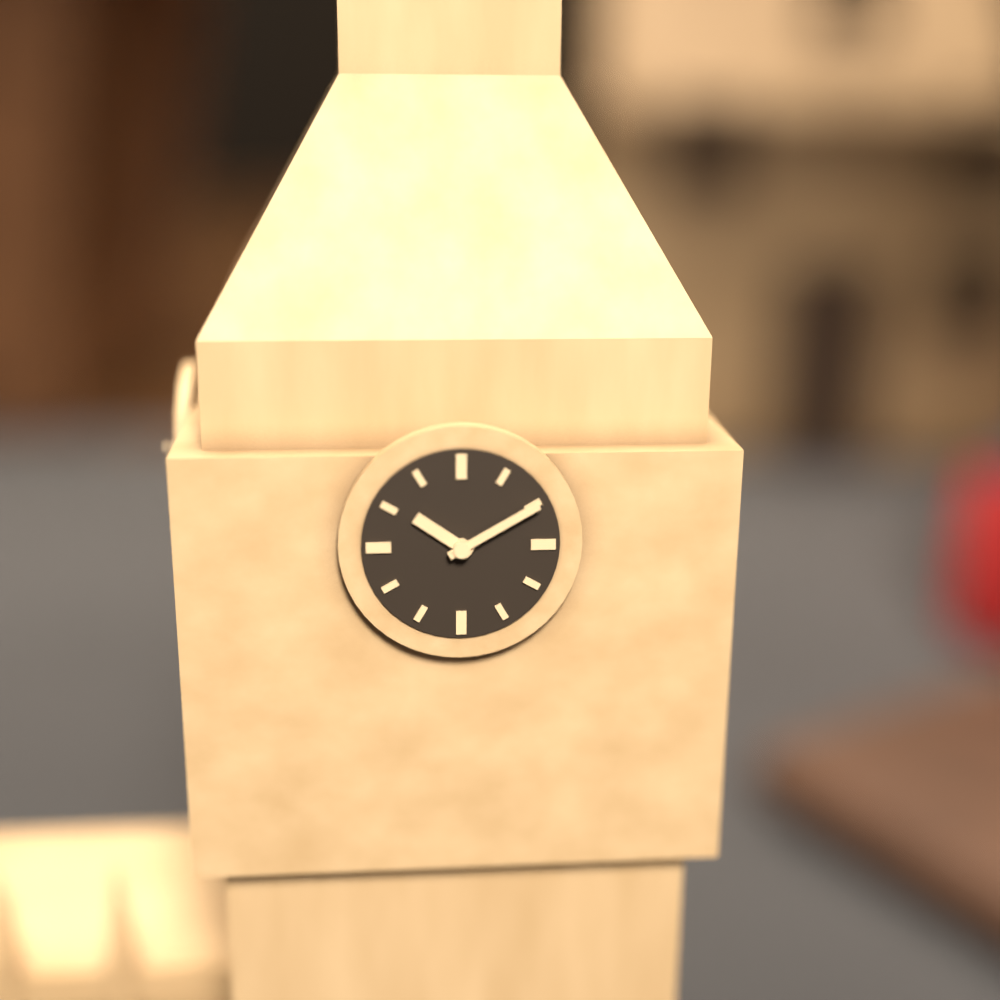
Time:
h=10 m=10
